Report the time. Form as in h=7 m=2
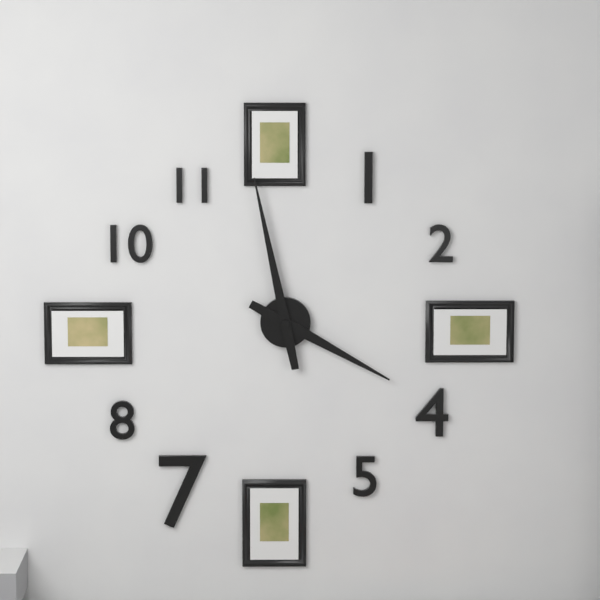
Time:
h=3 m=58
